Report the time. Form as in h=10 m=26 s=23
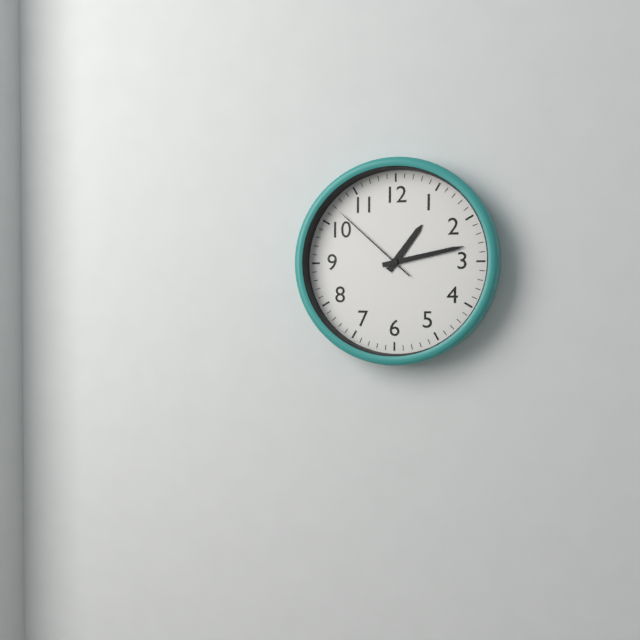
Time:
h=1 m=13 s=52
